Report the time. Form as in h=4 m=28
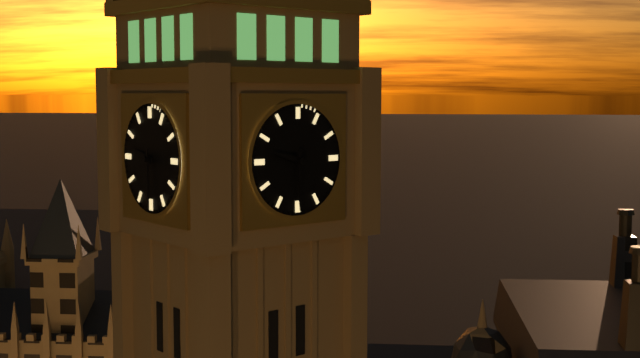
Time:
h=9 m=30
